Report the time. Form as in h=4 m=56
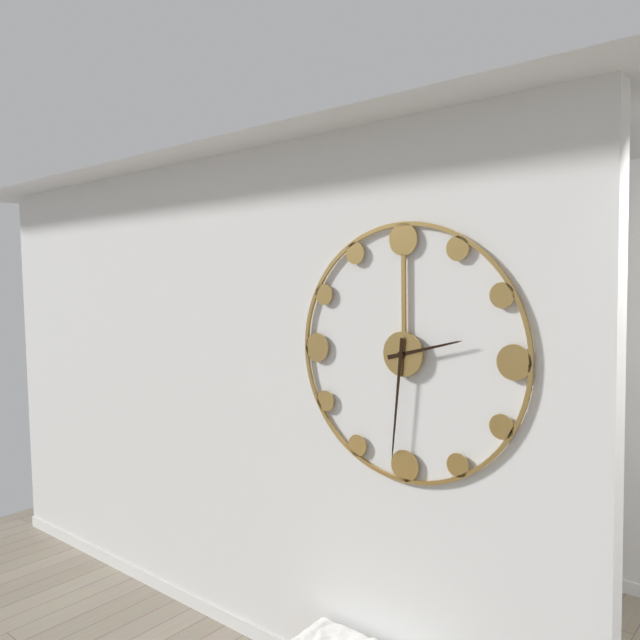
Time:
h=2 m=31
